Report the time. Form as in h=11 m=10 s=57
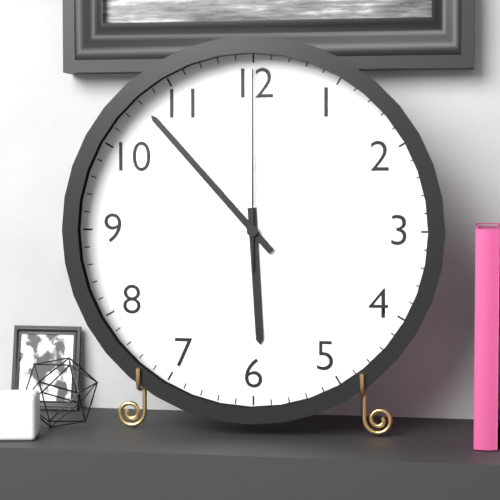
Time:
h=5 m=53 s=0
